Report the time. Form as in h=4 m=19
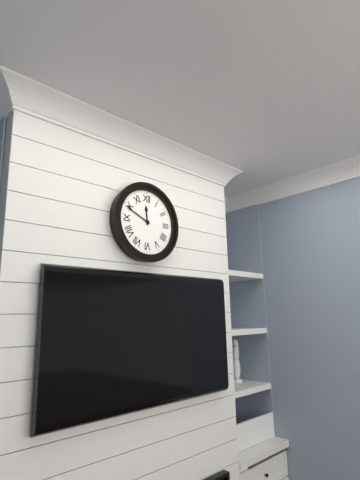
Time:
h=11 m=49
